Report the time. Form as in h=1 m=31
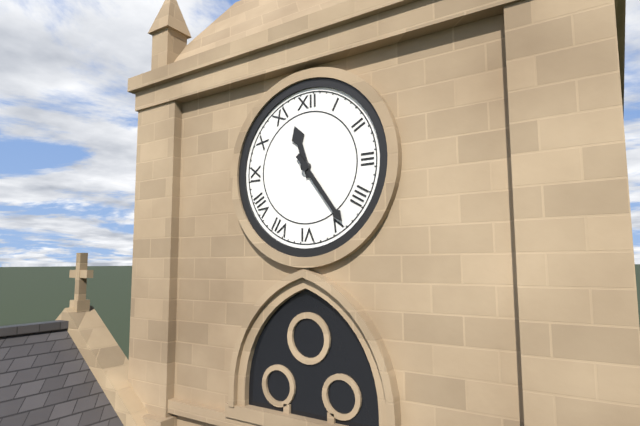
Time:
h=11 m=24
